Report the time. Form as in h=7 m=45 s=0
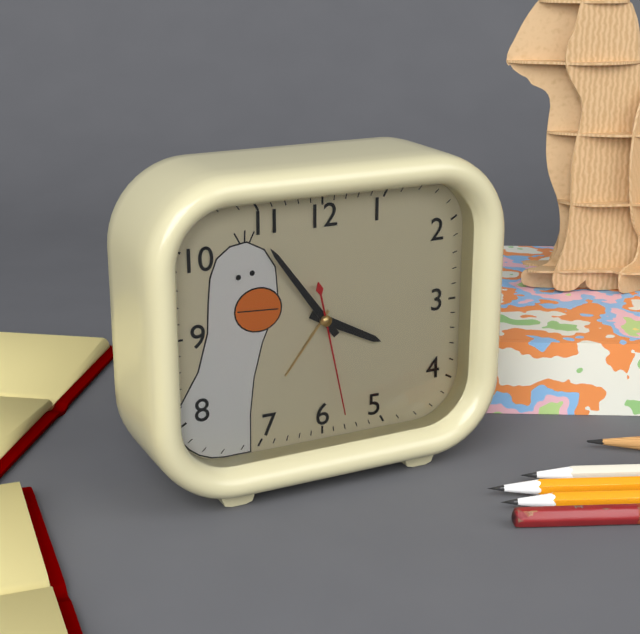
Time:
h=3 m=54 s=28
